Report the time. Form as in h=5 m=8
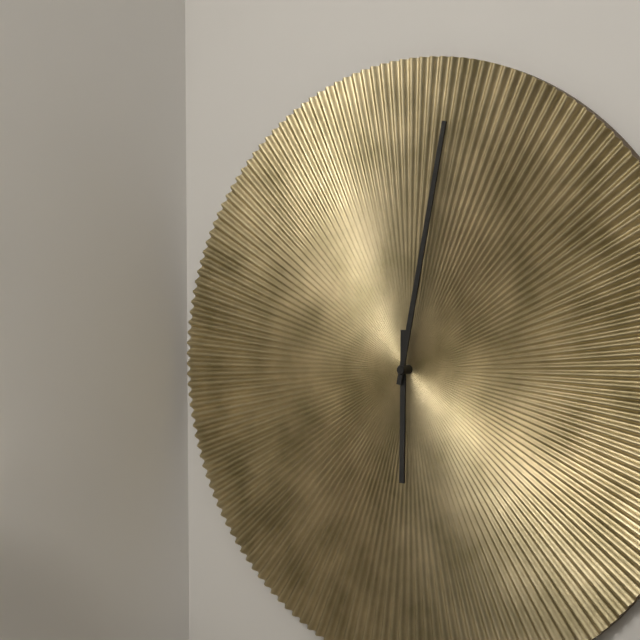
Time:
h=6 m=2
